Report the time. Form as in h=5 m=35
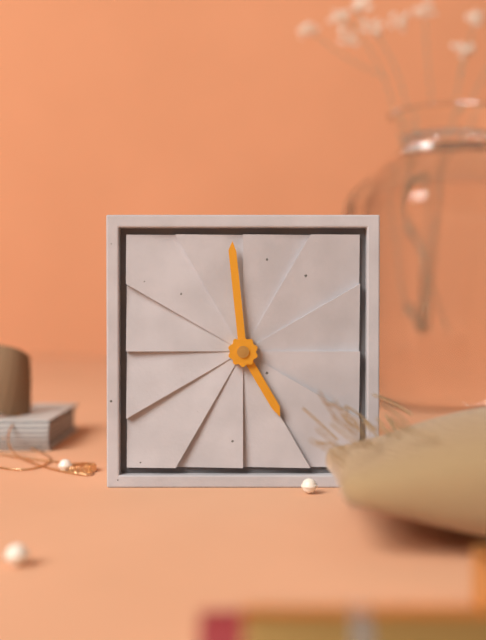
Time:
h=4 m=59
